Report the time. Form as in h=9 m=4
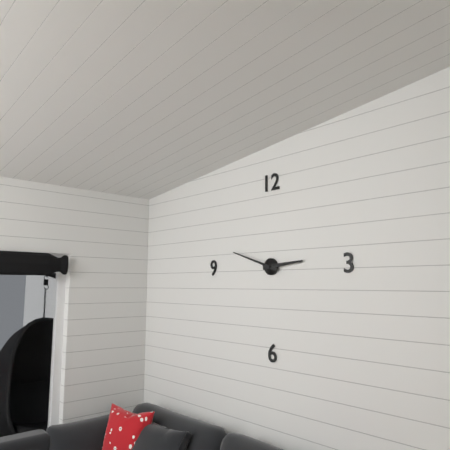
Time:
h=2 m=48
